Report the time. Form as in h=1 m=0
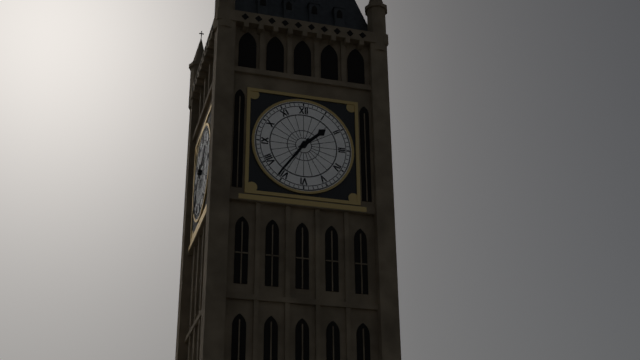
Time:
h=1 m=36
